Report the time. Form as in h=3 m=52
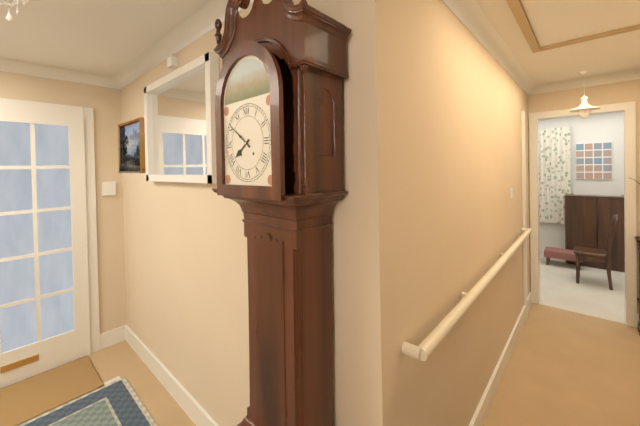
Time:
h=7 m=51
